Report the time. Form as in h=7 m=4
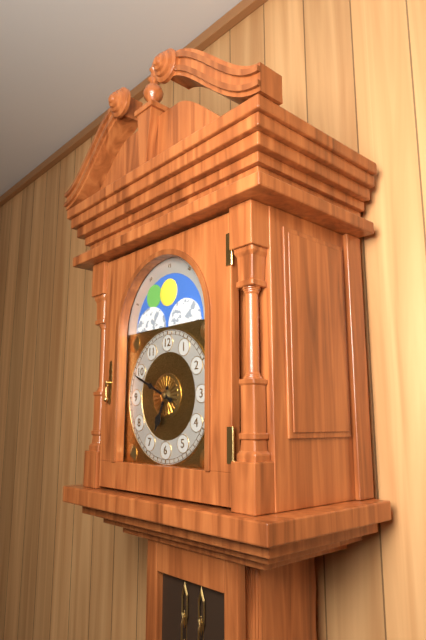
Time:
h=6 m=49
